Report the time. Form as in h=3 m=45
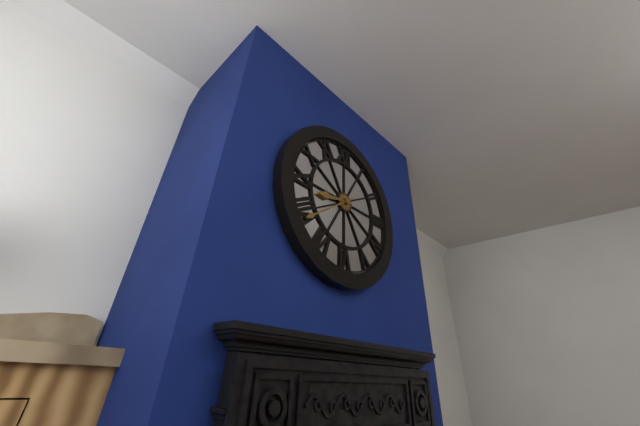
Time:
h=8 m=39
